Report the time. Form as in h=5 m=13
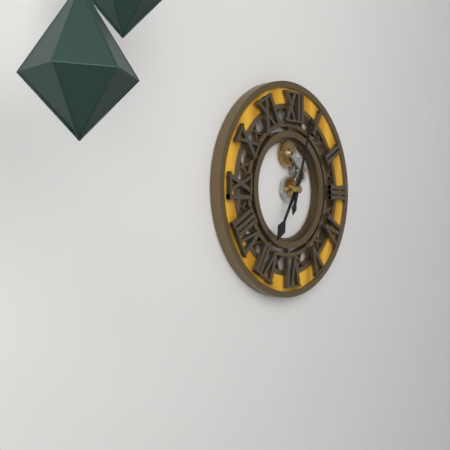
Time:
h=7 m=3
